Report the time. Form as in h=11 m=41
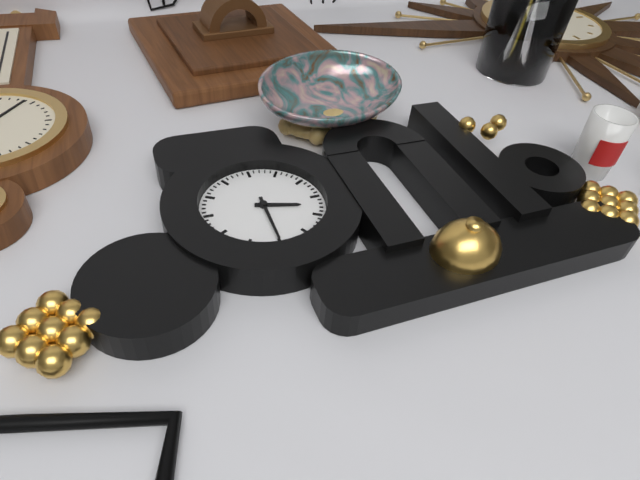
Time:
h=3 m=30
